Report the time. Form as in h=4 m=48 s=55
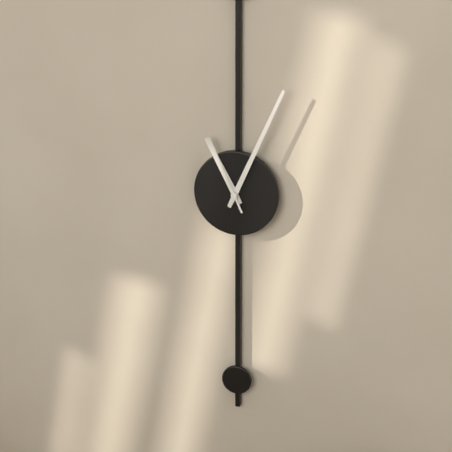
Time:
h=11 m=4 s=56
